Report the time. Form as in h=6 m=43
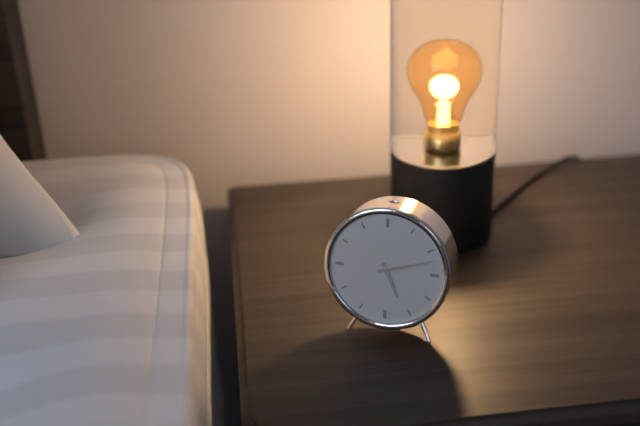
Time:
h=5 m=12
